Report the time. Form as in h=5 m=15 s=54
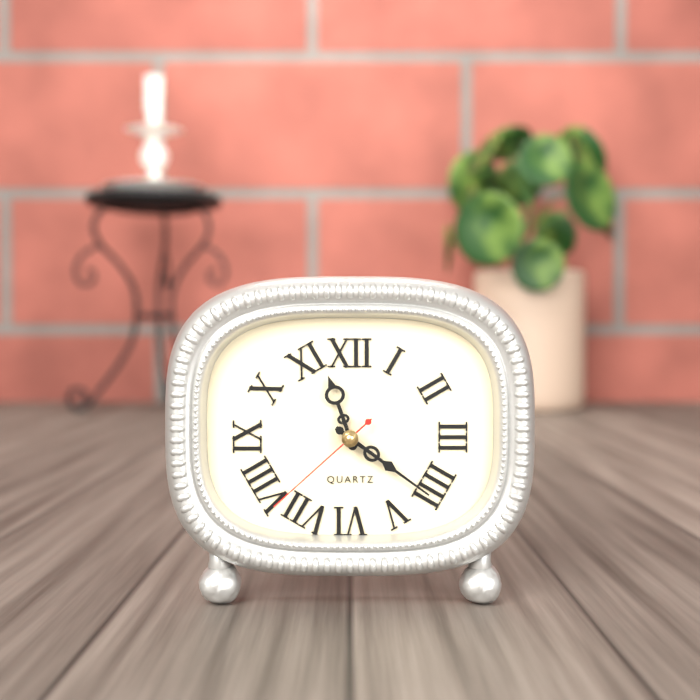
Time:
h=11 m=21 s=38
